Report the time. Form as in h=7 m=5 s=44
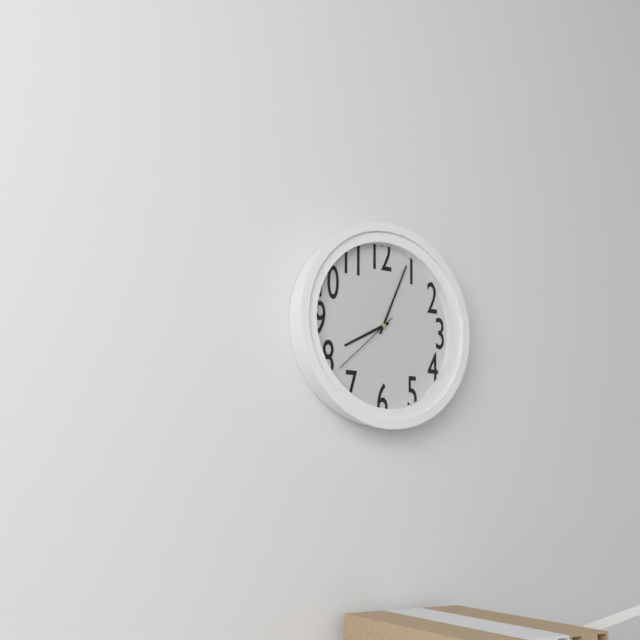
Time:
h=8 m=4 s=38
